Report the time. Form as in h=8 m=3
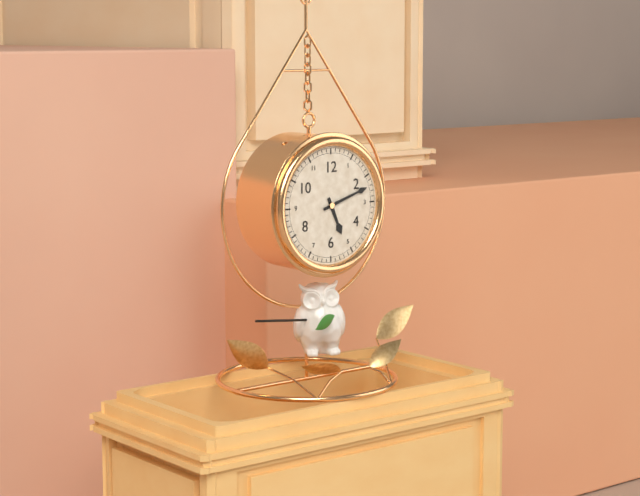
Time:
h=5 m=12
